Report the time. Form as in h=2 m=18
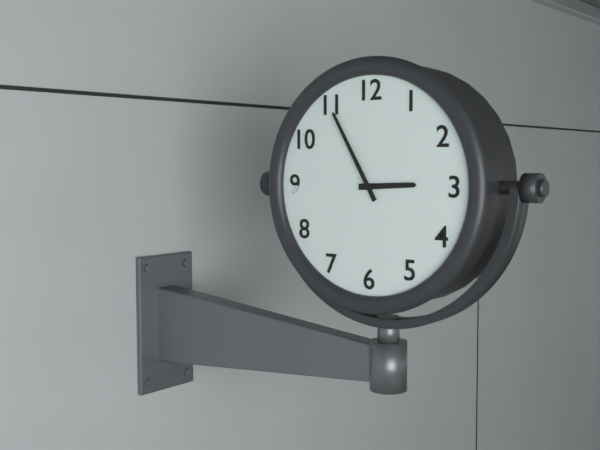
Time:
h=2 m=55
